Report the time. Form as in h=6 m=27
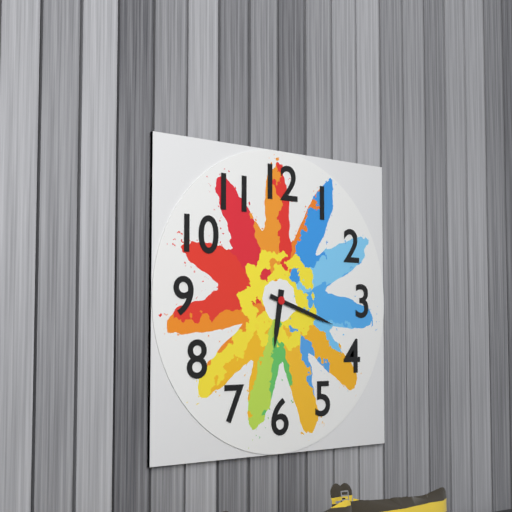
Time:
h=6 m=18
